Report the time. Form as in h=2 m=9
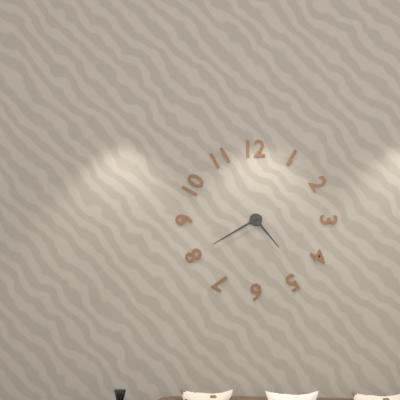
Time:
h=4 m=40
